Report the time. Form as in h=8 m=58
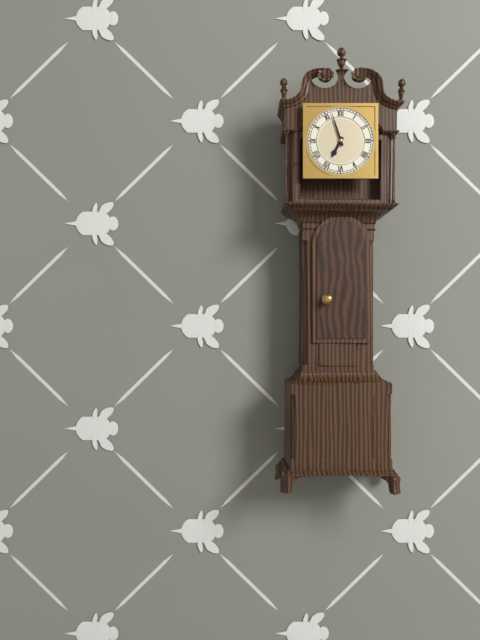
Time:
h=6 m=57
